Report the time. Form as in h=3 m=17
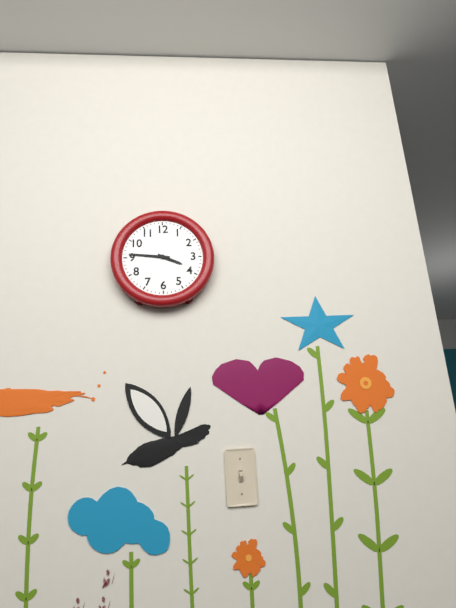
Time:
h=3 m=46
